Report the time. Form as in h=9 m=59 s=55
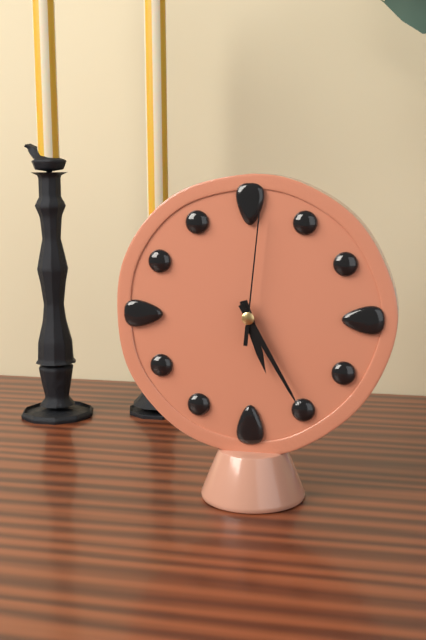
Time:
h=5 m=25 s=1
